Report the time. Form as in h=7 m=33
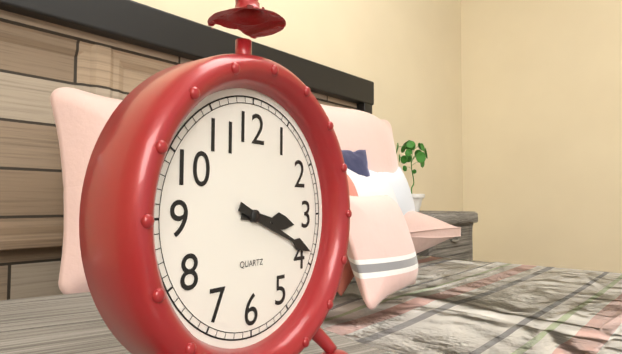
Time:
h=3 m=19
